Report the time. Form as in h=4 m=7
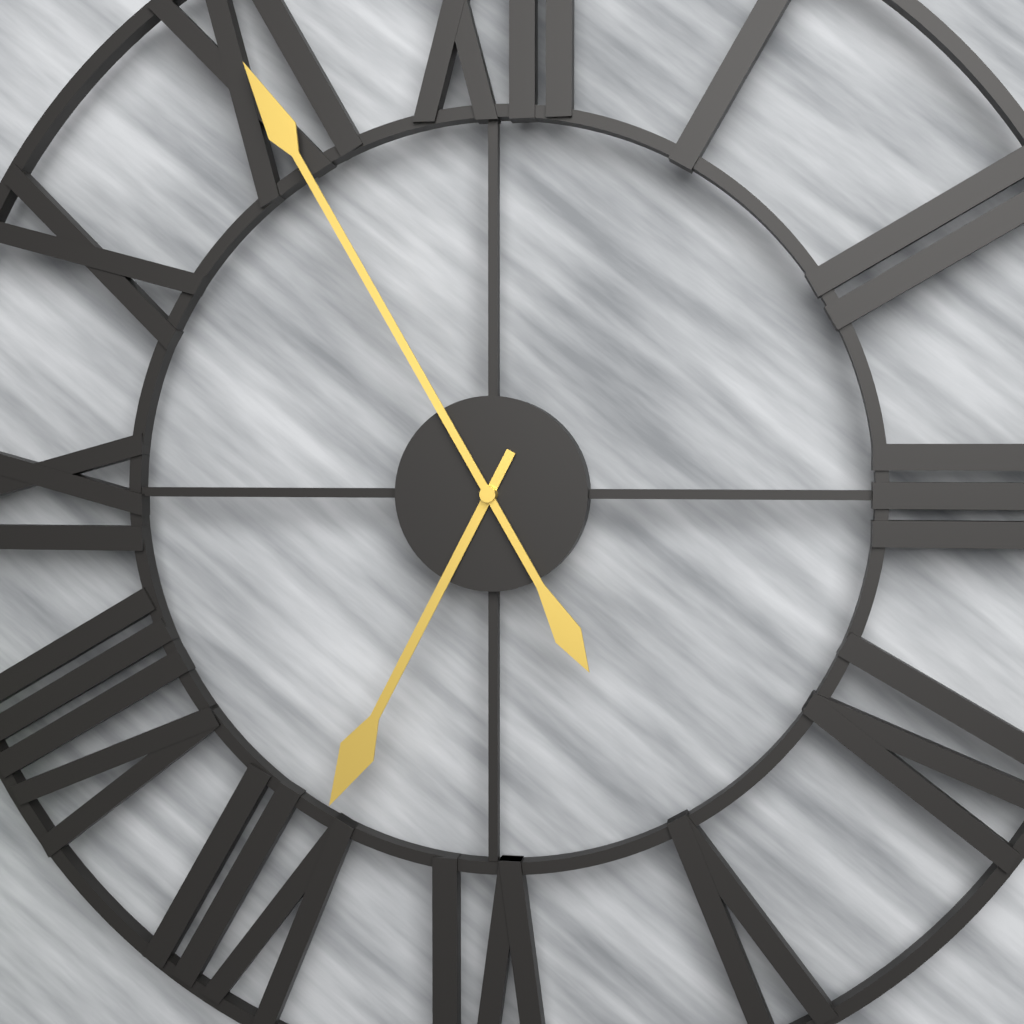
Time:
h=6 m=55
